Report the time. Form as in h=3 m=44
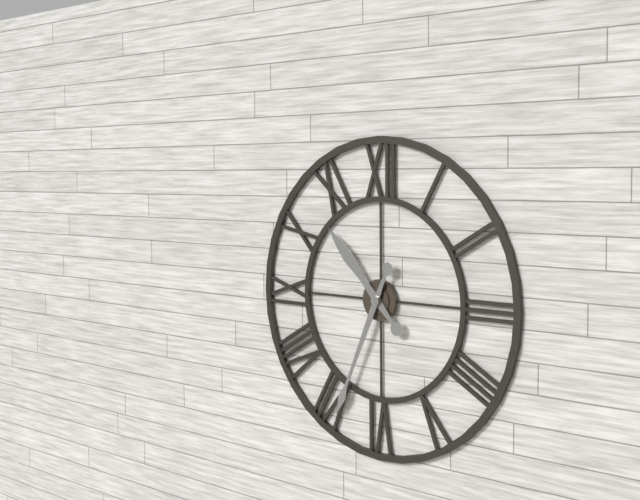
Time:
h=10 m=34
